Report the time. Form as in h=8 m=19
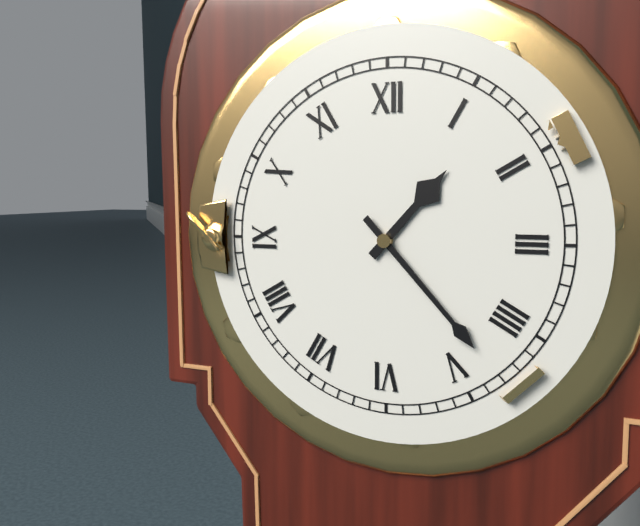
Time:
h=1 m=23
